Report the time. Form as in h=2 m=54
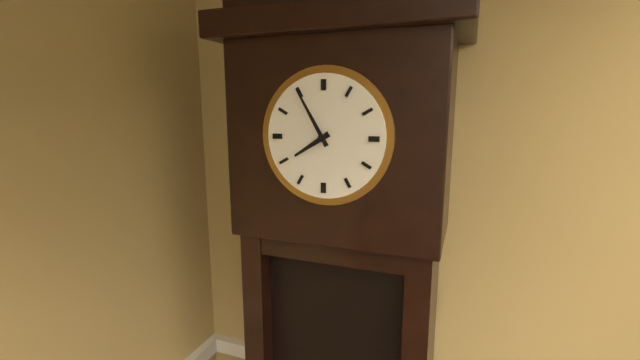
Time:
h=7 m=55
